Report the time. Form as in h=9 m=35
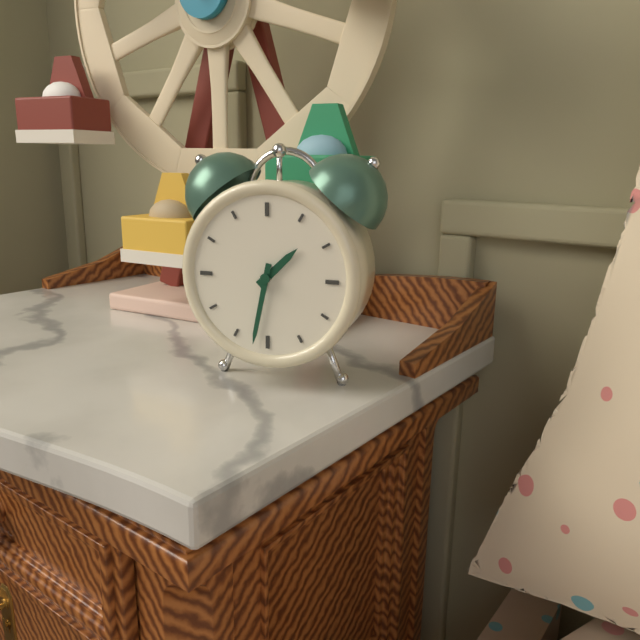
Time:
h=1 m=32
